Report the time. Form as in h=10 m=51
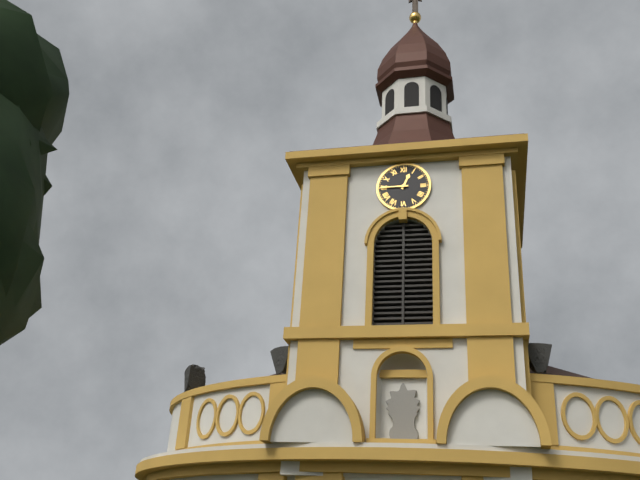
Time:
h=12 m=45
